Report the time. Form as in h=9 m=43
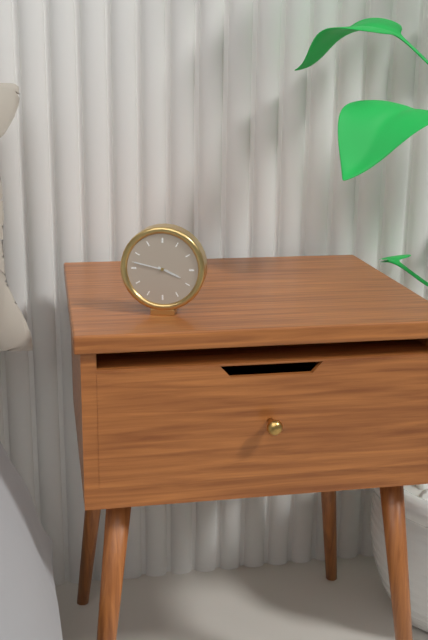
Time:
h=3 m=47
